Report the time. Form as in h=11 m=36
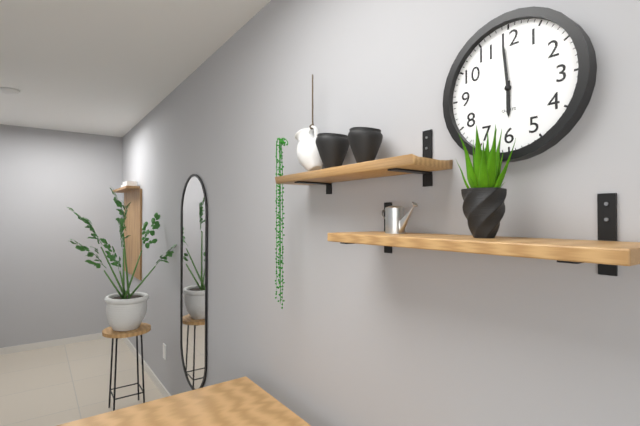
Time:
h=5 m=59
